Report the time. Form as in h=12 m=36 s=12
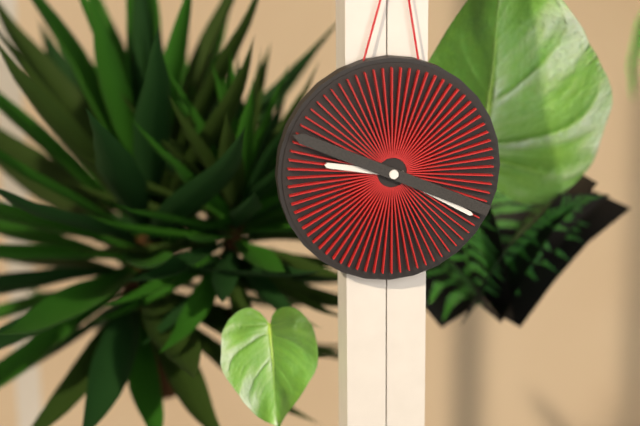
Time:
h=9 m=20 s=49
